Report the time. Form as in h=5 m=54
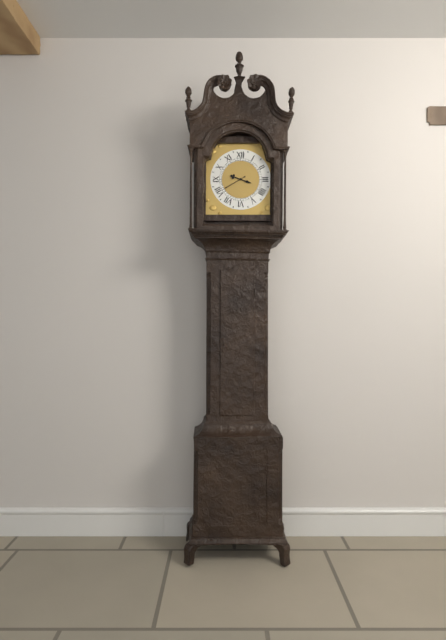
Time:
h=3 m=40
